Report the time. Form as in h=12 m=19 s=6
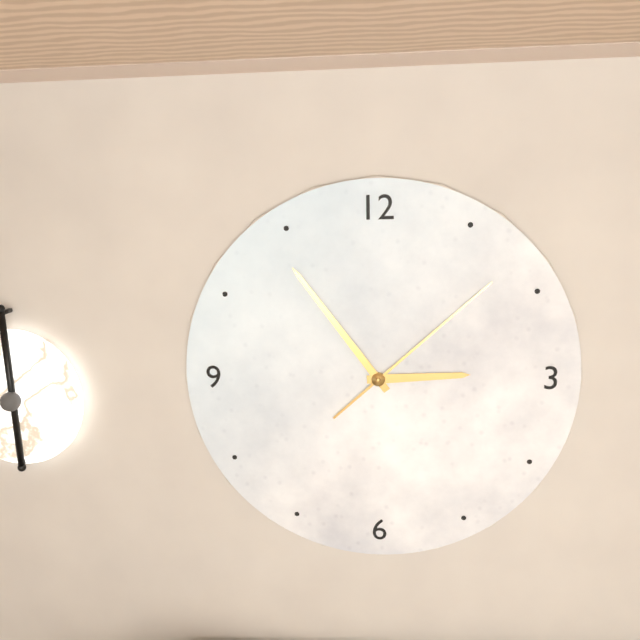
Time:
h=2 m=54 s=8
